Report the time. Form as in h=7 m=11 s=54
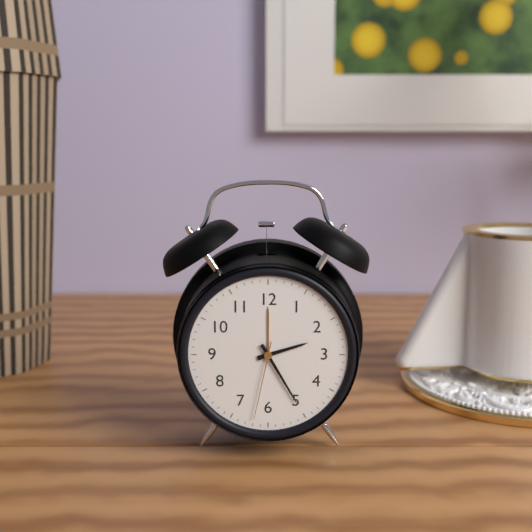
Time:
h=2 m=25 s=32
